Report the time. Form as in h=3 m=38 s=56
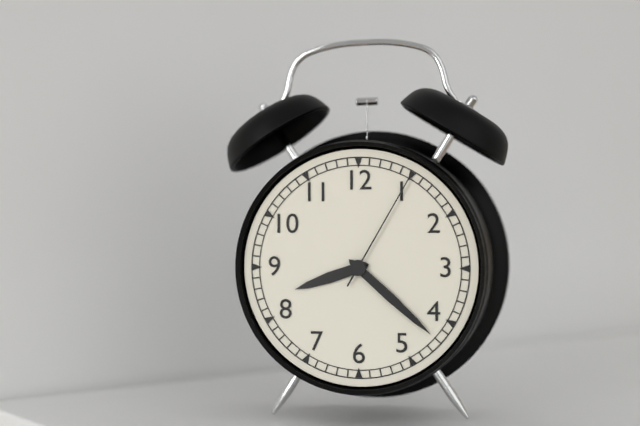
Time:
h=8 m=22 s=5
